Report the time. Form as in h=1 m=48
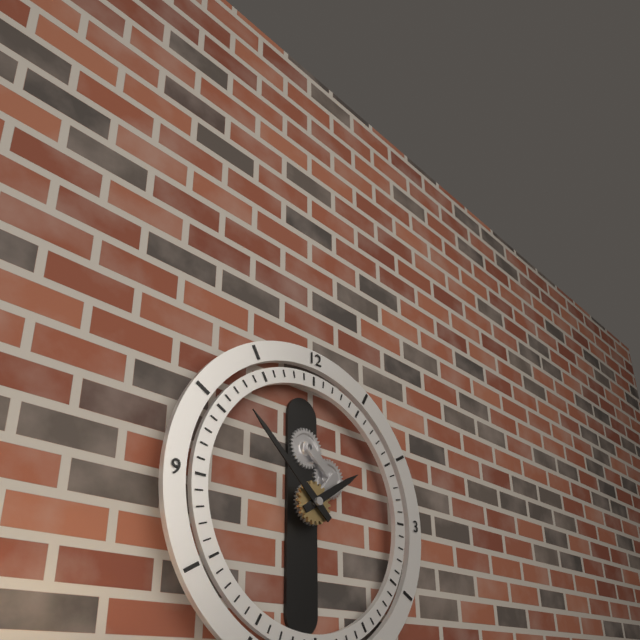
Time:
h=1 m=52
